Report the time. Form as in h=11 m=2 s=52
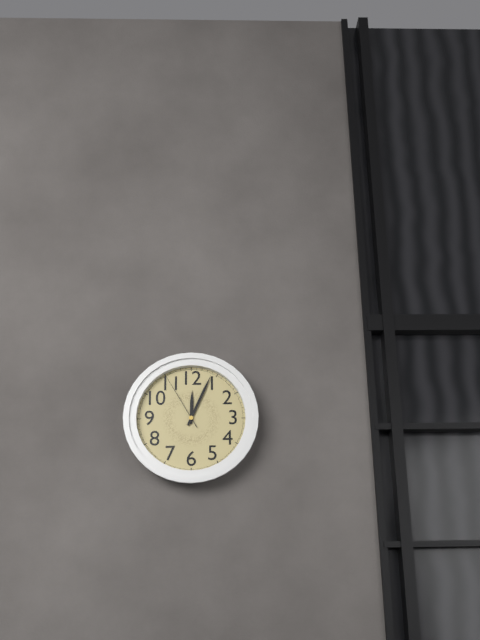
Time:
h=12 m=4 s=55
